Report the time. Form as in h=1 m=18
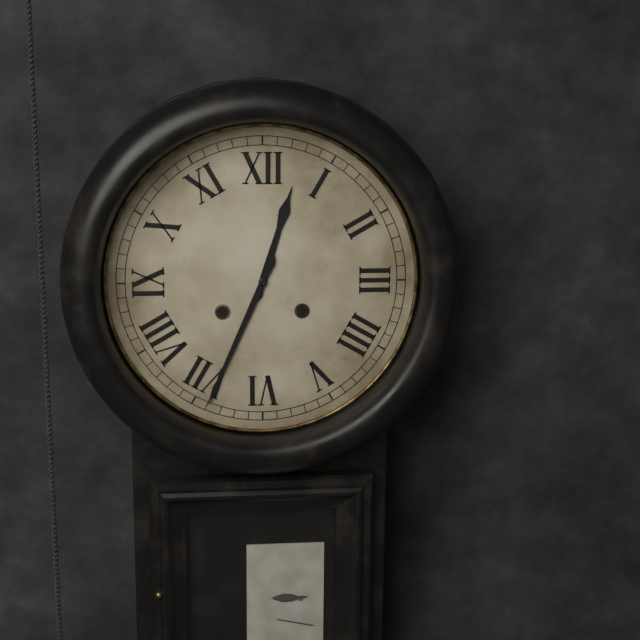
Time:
h=12 m=34
